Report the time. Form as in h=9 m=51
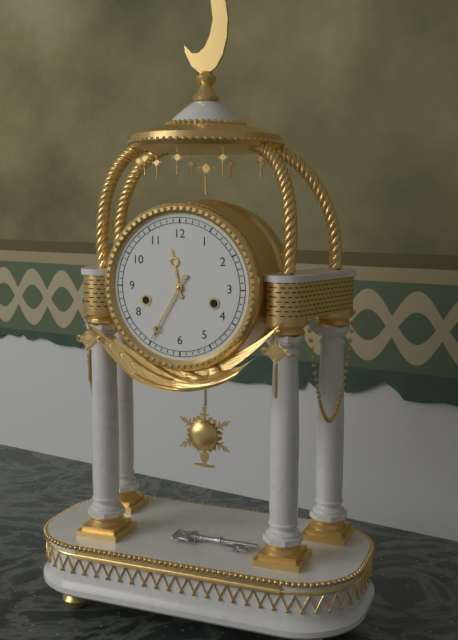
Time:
h=11 m=35
